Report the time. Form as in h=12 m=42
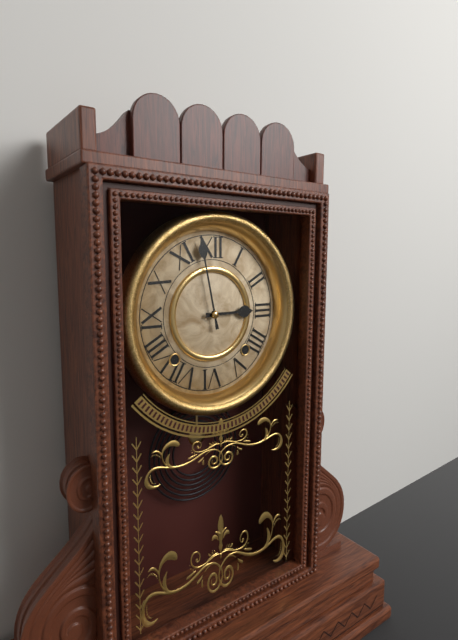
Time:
h=2 m=58
